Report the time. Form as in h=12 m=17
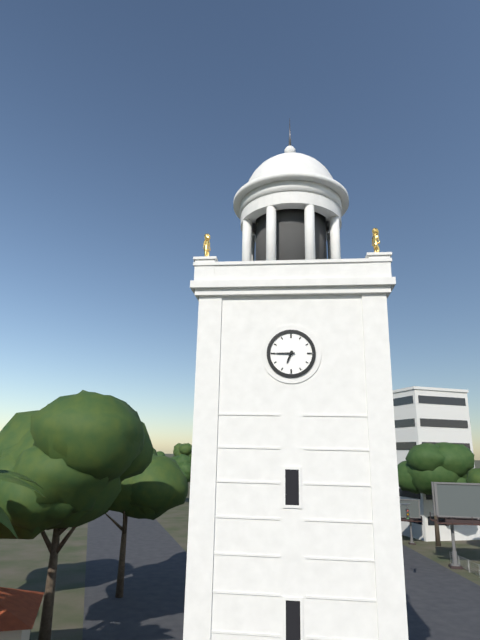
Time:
h=6 m=45
